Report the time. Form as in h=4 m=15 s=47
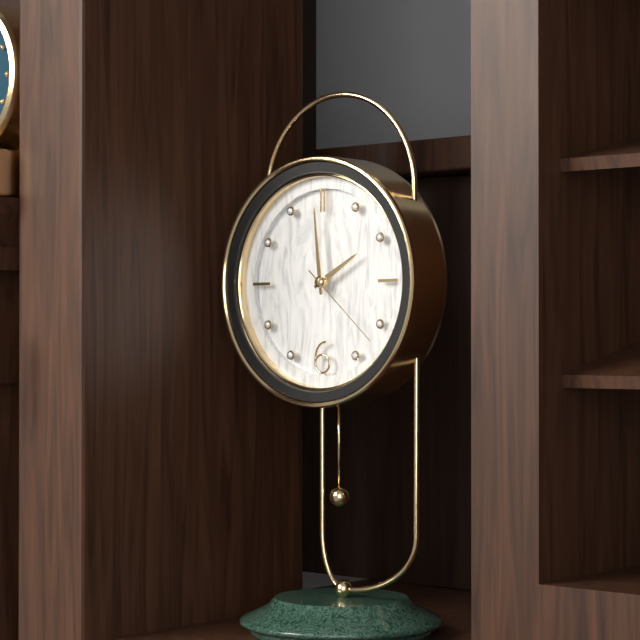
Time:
h=1 m=59 s=22
